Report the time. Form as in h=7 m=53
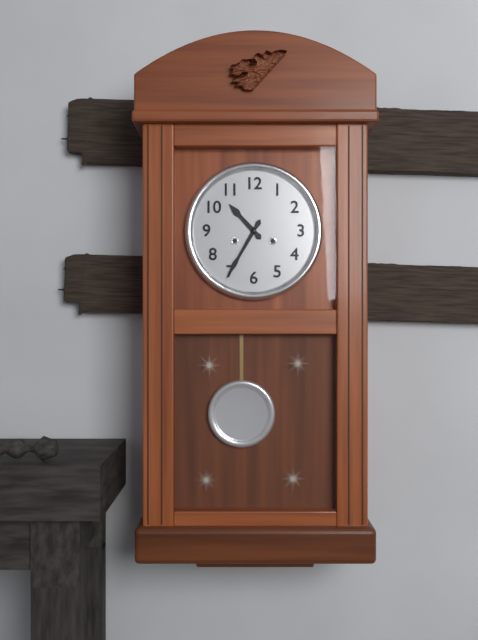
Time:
h=10 m=35
